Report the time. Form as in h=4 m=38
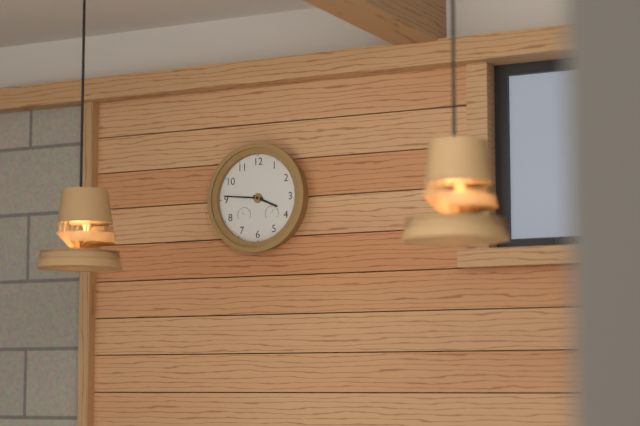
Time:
h=3 m=46
